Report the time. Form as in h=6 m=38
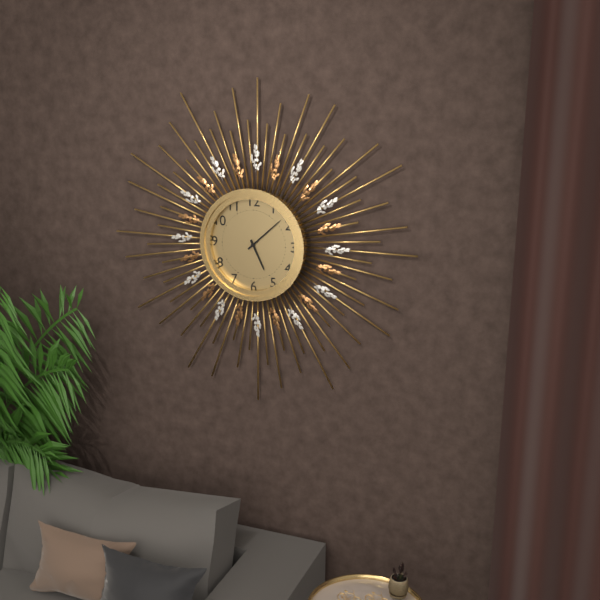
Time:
h=5 m=8
